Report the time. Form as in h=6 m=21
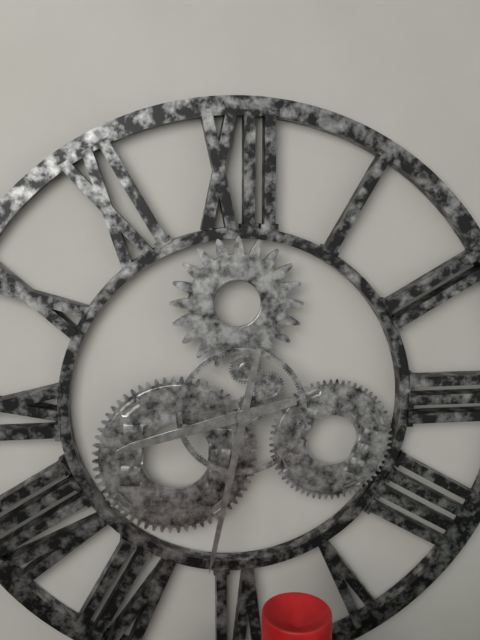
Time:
h=8 m=32
